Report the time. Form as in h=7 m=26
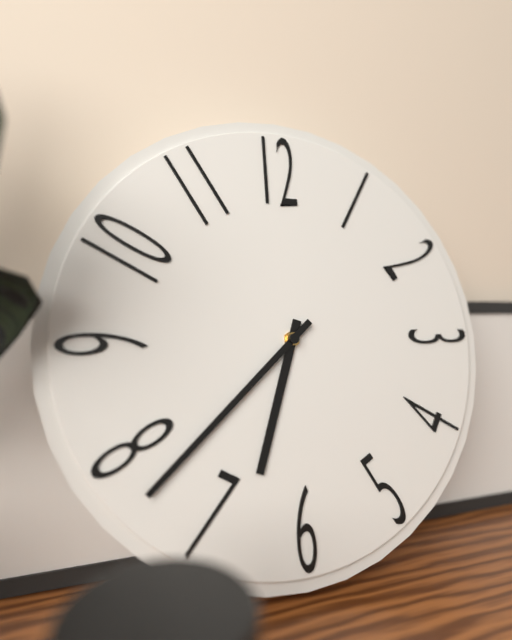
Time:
h=6 m=38
